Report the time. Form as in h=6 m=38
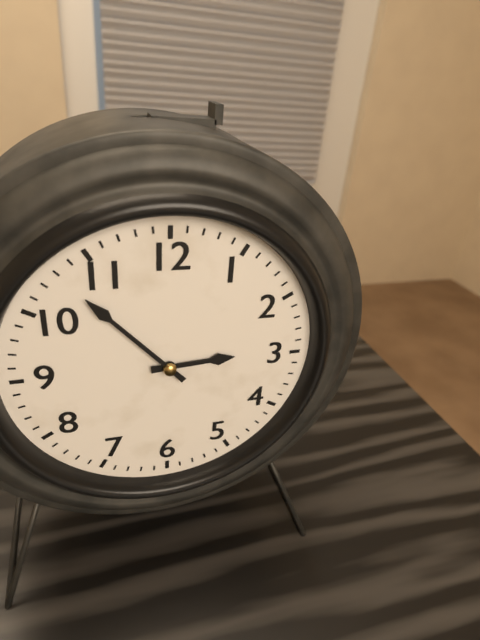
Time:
h=2 m=53
